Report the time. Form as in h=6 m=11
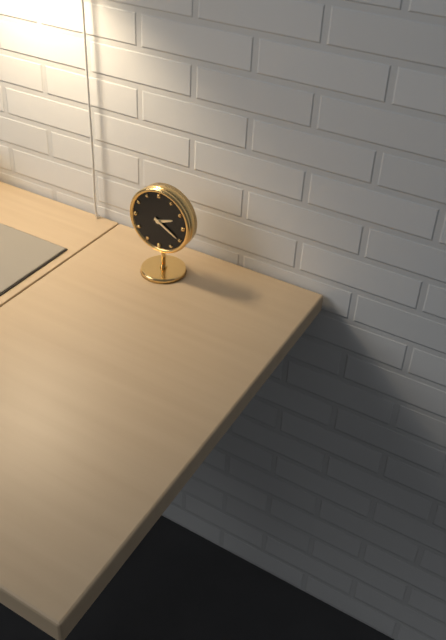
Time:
h=2 m=20
